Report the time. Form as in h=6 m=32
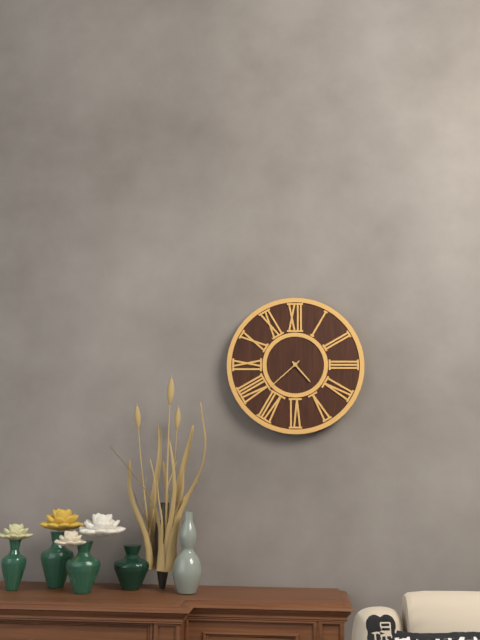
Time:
h=4 m=38
